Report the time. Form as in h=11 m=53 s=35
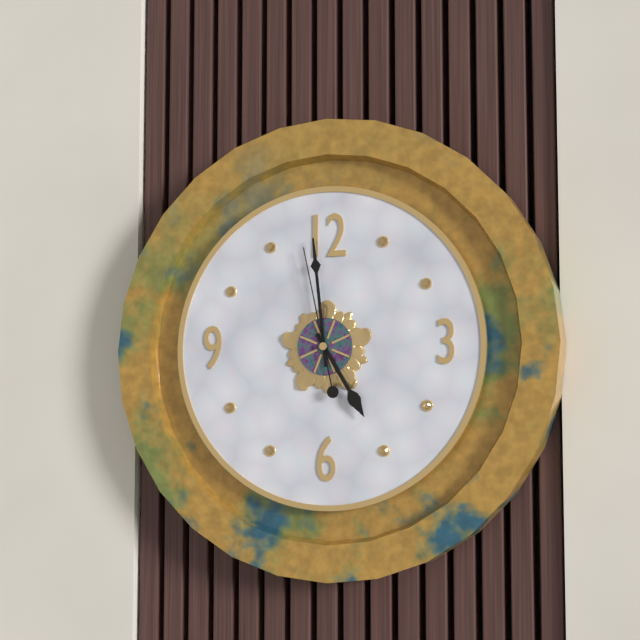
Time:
h=4 m=59 s=58
